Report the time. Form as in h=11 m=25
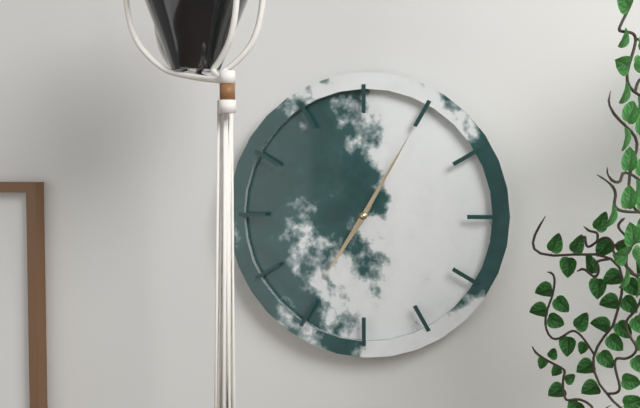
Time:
h=7 m=5
